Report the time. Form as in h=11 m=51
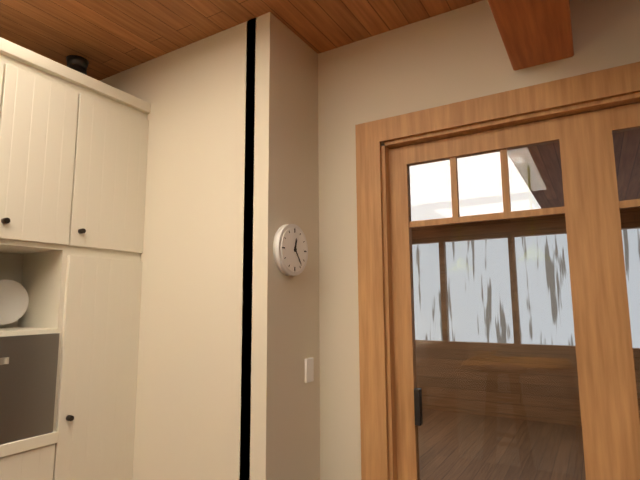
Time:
h=12 m=24
